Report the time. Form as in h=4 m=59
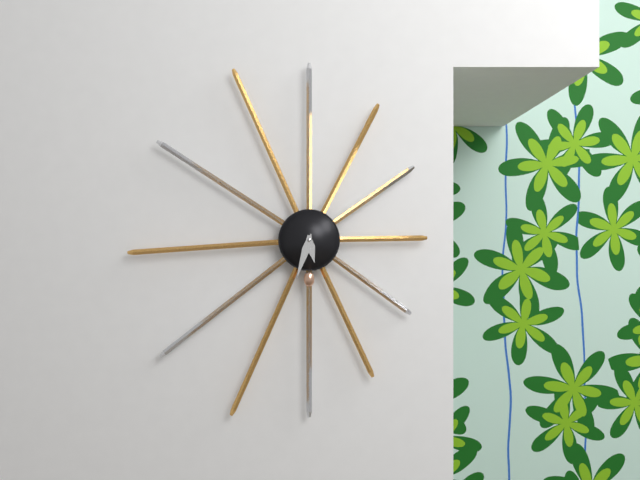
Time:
h=5 m=33
